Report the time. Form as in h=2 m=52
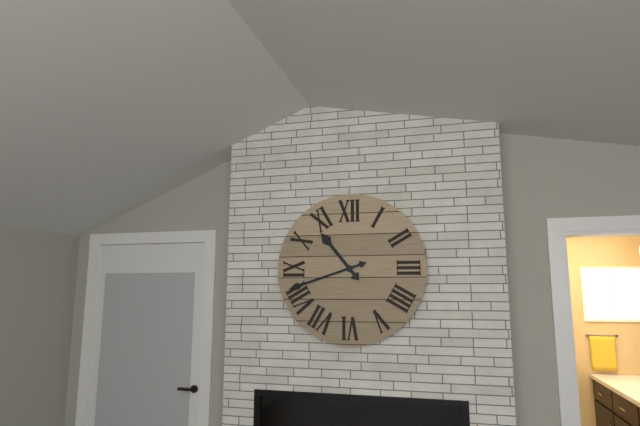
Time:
h=10 m=42
